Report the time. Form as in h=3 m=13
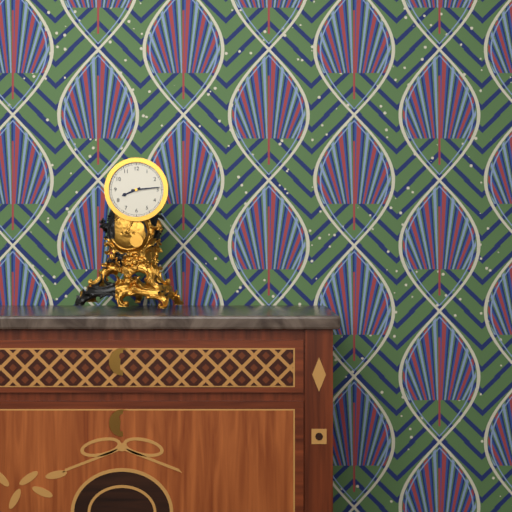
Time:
h=8 m=14
